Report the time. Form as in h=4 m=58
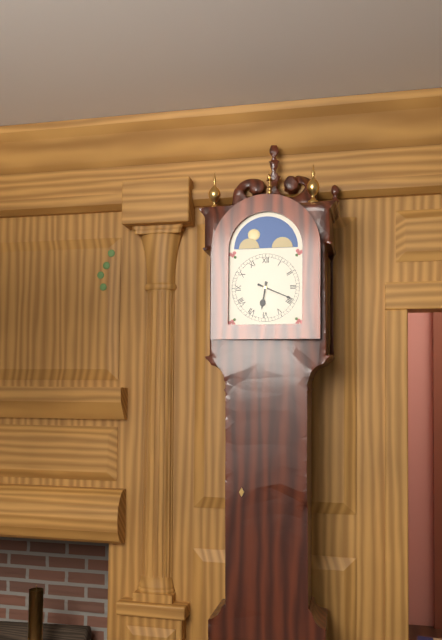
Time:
h=6 m=19
